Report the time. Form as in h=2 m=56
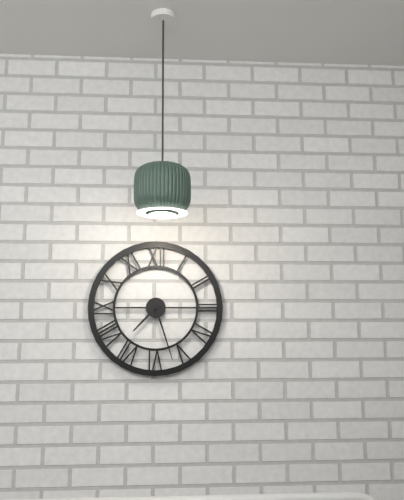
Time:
h=7 m=27
